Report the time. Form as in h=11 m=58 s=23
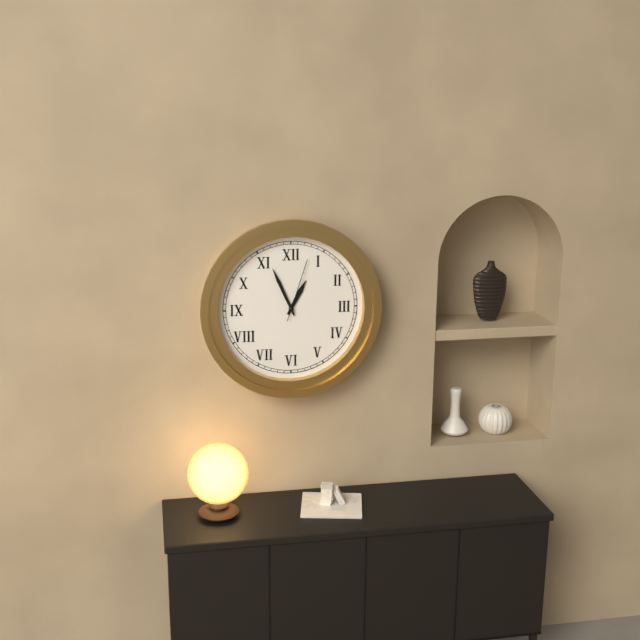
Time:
h=12 m=56 s=3
